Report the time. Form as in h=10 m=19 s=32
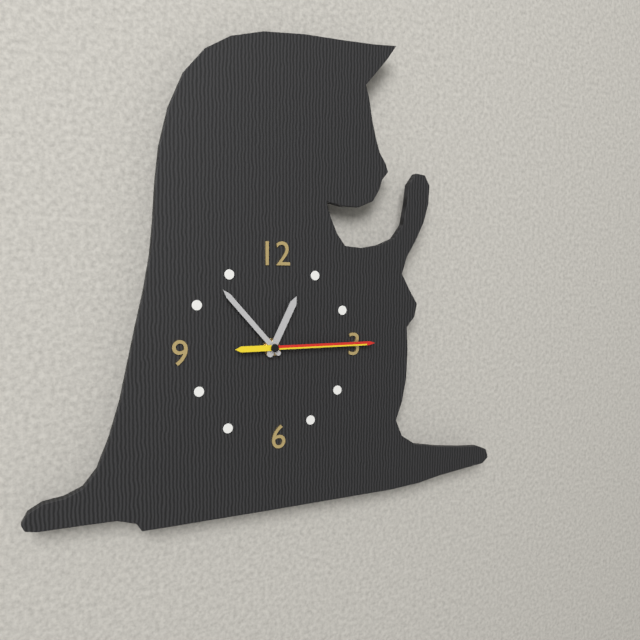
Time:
h=12 m=53 s=15
